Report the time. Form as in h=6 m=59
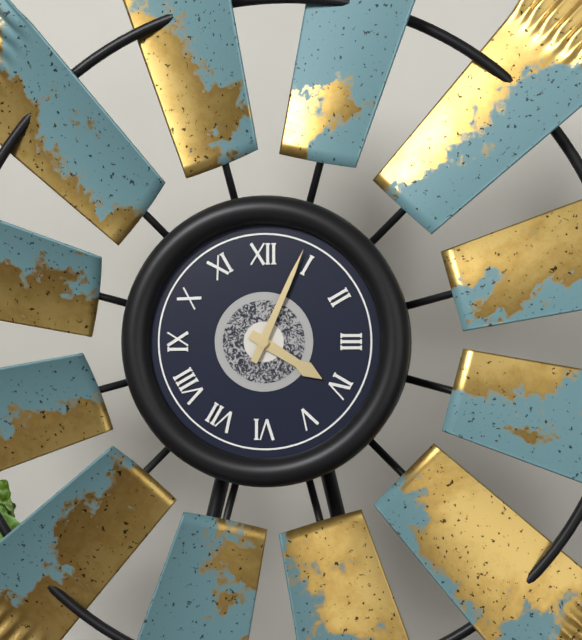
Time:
h=4 m=4
